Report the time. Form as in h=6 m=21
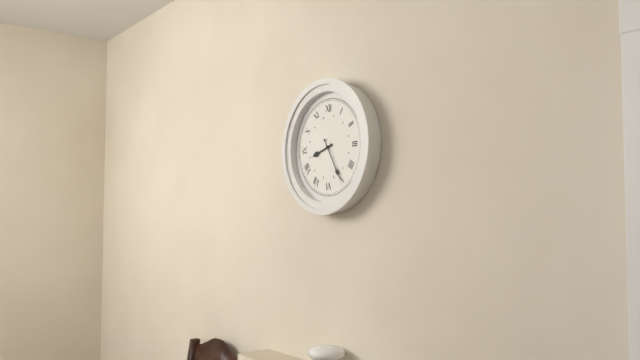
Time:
h=8 m=25
